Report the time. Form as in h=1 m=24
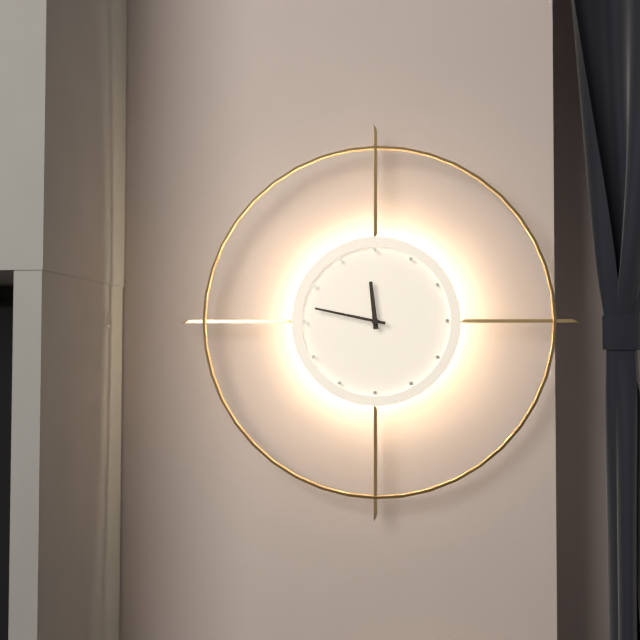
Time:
h=11 m=47
